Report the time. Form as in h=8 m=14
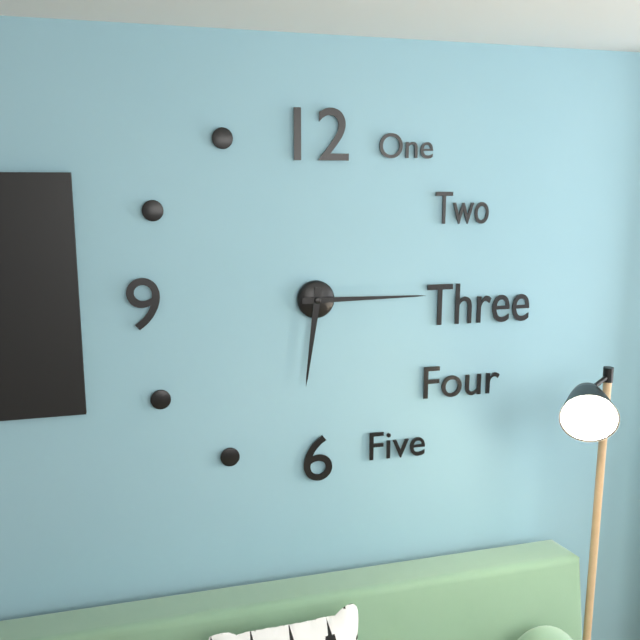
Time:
h=6 m=15
